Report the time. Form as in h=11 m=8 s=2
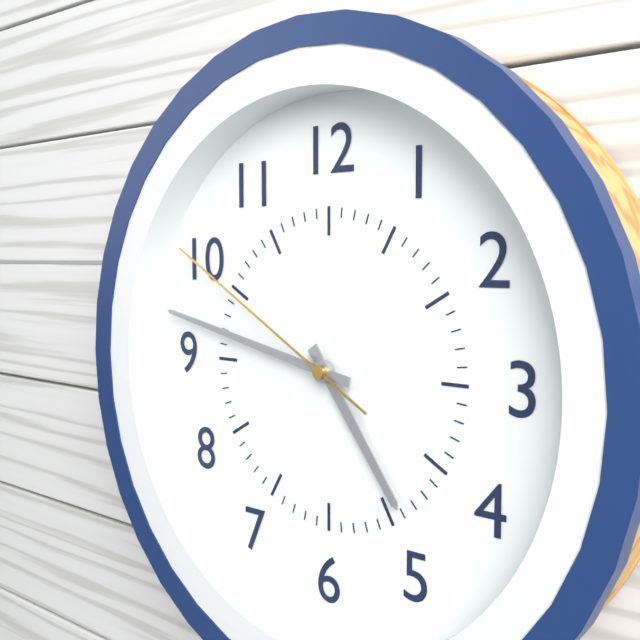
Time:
h=4 m=47 s=50
